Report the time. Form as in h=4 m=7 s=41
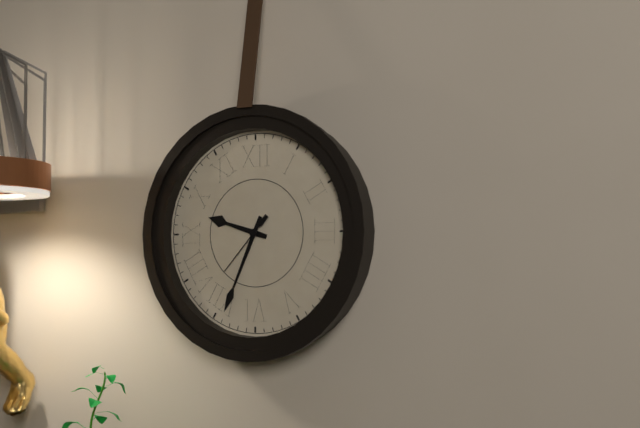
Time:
h=9 m=34 s=37
